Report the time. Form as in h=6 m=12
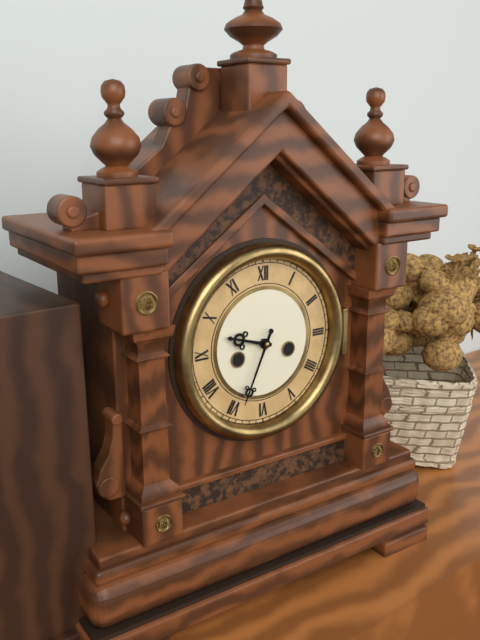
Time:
h=9 m=34
